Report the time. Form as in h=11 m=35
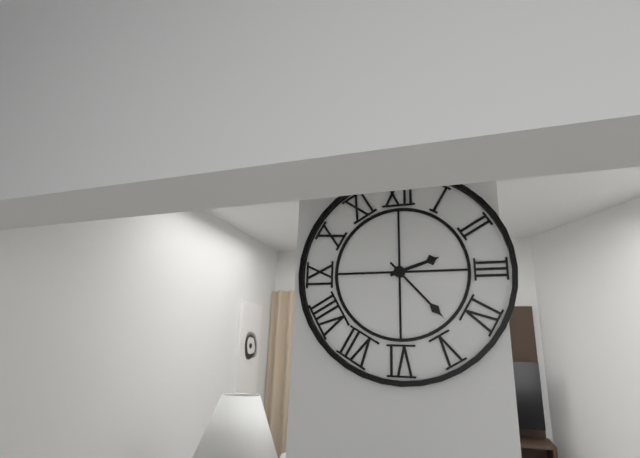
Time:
h=2 m=23
